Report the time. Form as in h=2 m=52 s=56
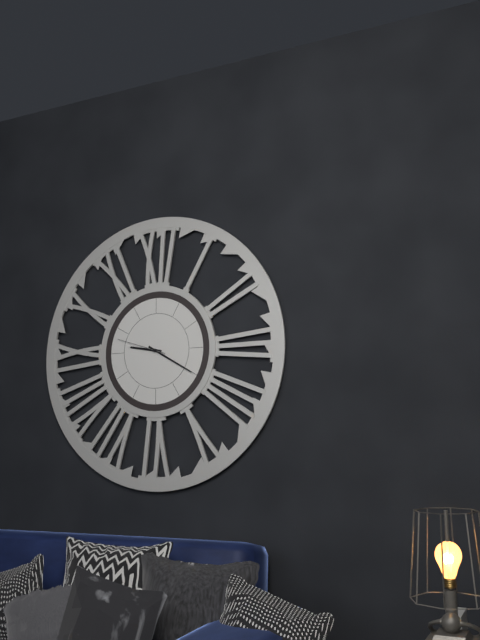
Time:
h=9 m=20 s=48
